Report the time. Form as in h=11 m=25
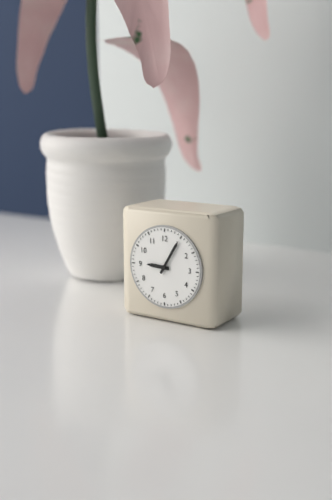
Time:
h=9 m=5
